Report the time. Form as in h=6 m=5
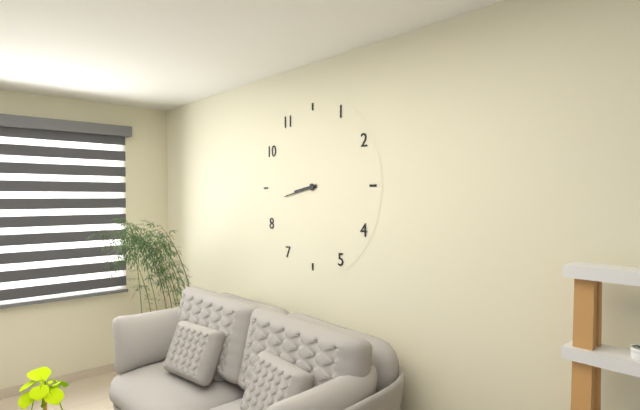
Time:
h=8 m=43
